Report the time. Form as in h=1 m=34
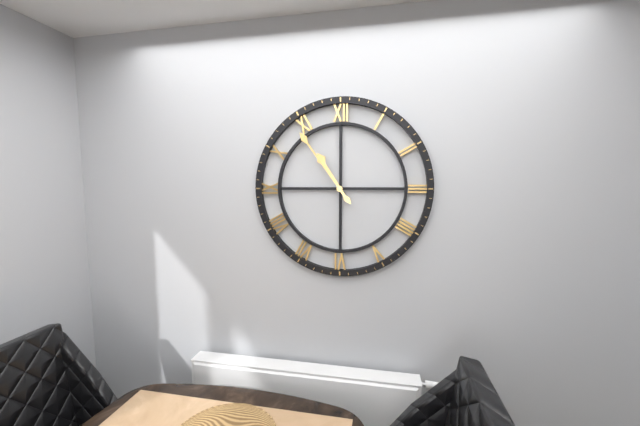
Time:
h=10 m=54
